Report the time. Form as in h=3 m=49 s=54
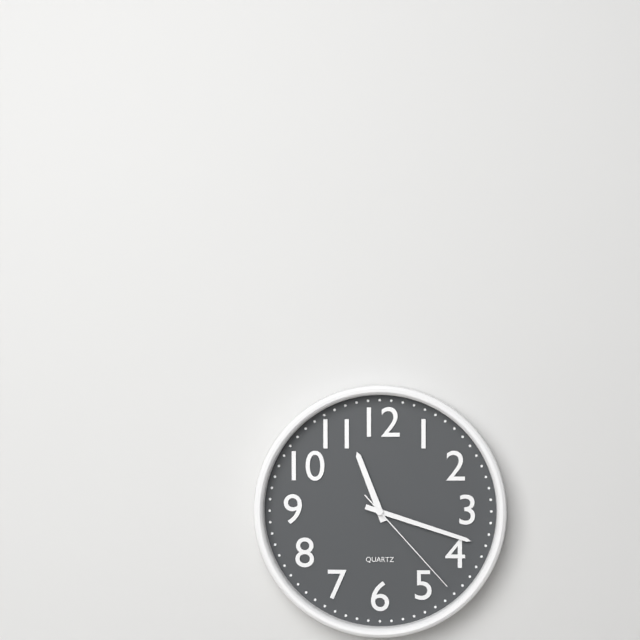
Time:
h=11 m=18 s=23
